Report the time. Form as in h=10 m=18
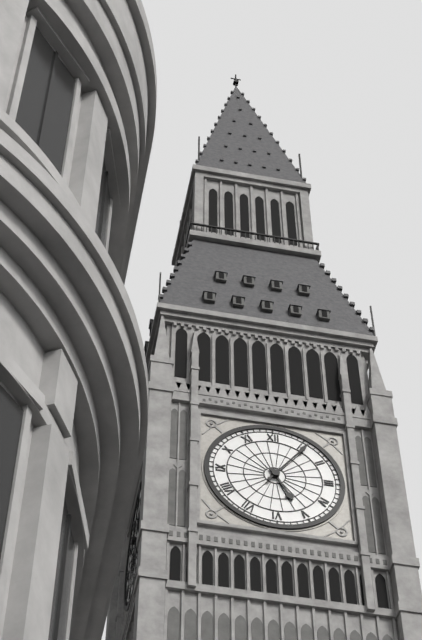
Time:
h=5 m=6
